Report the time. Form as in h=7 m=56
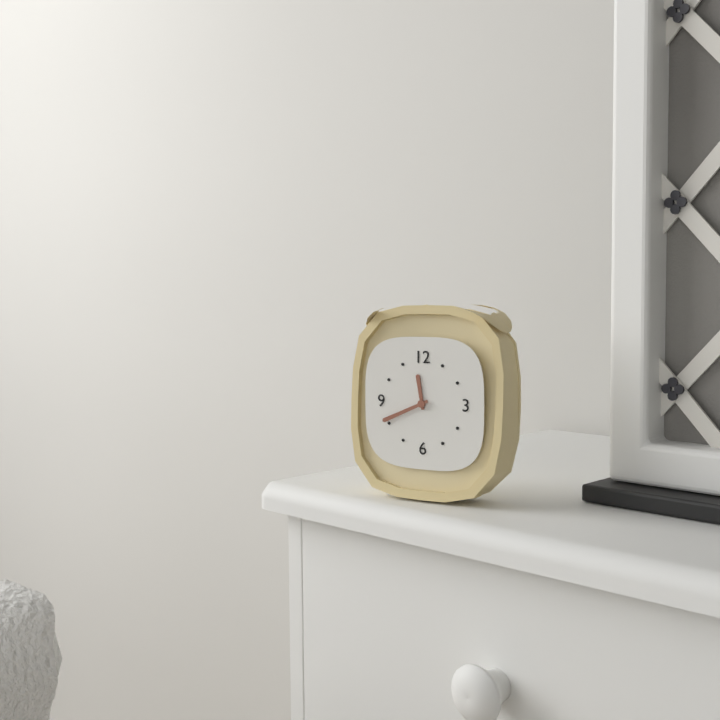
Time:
h=11 m=41
